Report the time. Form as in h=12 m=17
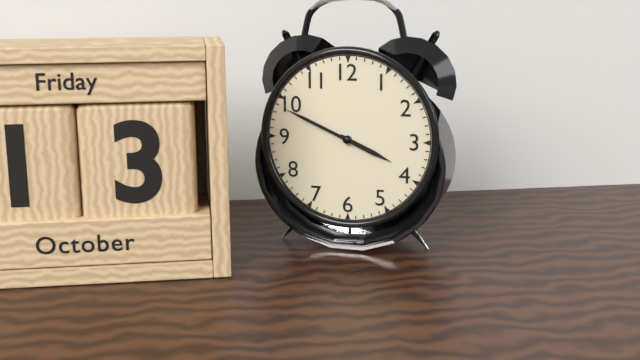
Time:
h=3 m=49
